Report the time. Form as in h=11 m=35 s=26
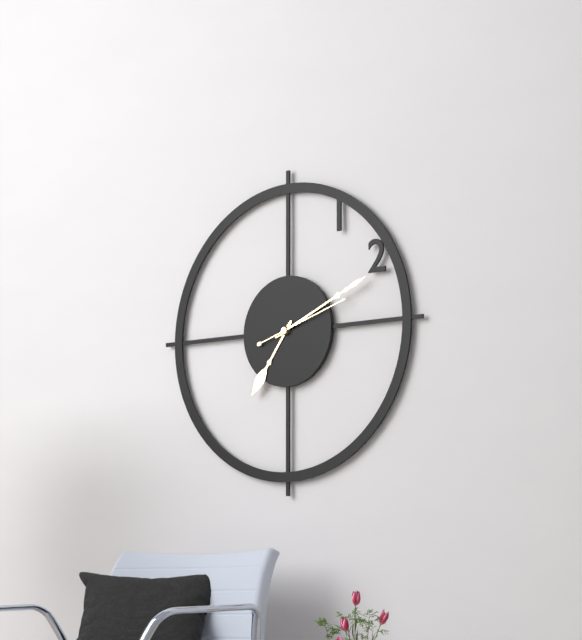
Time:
h=7 m=11 s=12
